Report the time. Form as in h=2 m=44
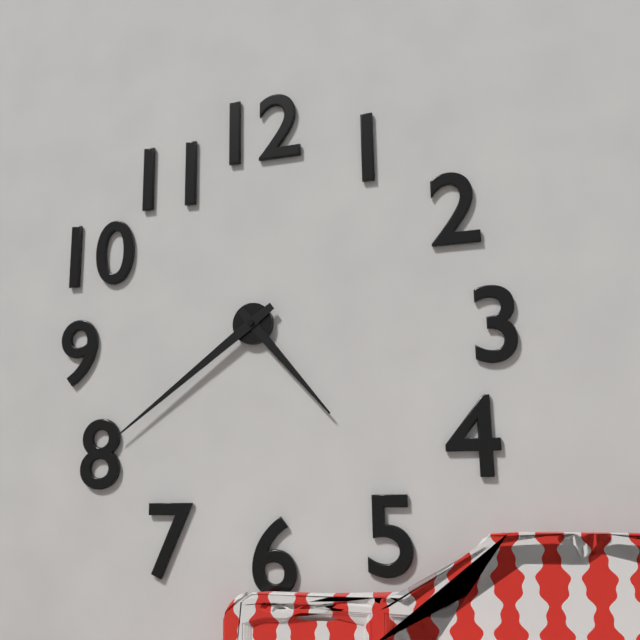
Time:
h=4 m=39
